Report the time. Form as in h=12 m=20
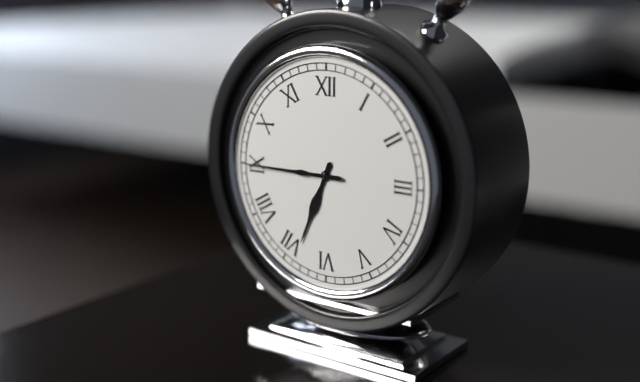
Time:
h=6 m=45
